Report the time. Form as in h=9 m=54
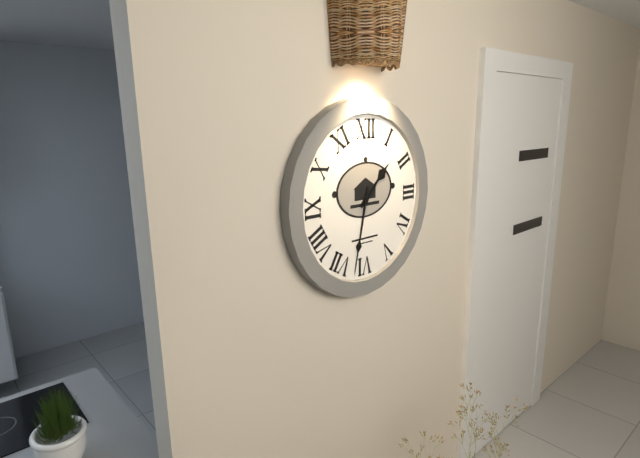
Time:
h=1 m=32
